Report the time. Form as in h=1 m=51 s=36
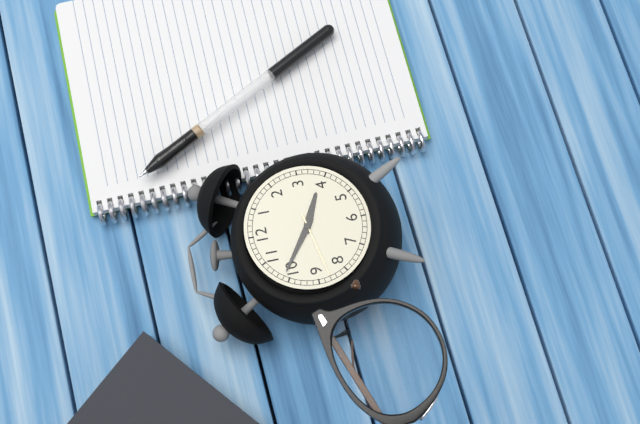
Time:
h=3 m=51 s=43
